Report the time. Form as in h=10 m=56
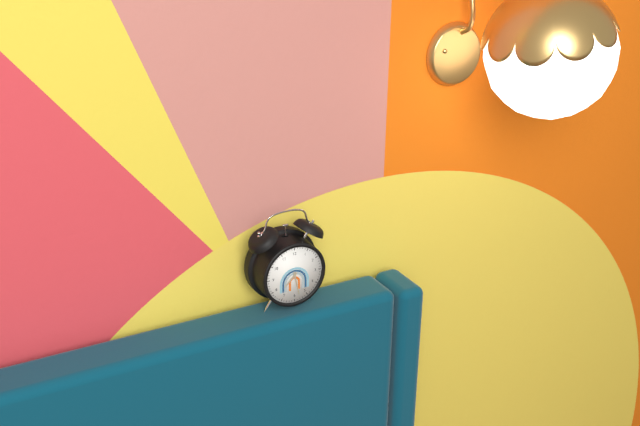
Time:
h=7 m=28
